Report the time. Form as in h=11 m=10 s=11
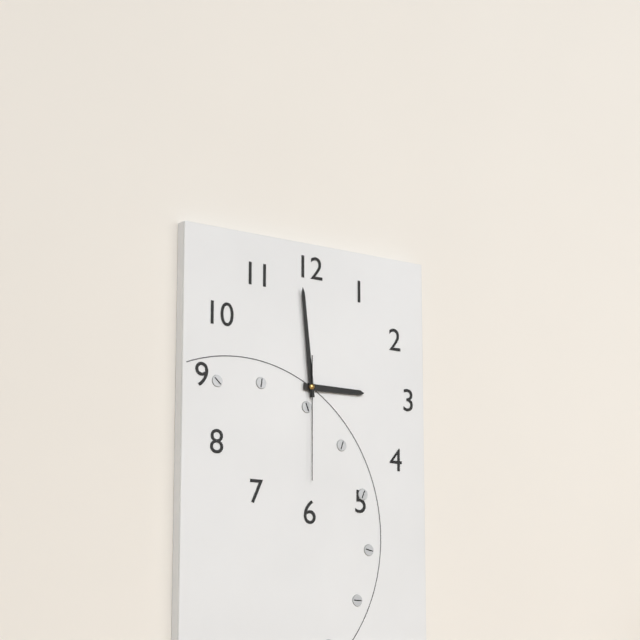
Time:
h=2 m=59 s=30
